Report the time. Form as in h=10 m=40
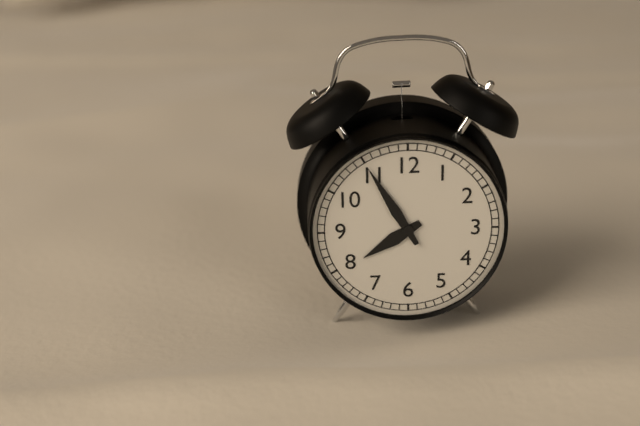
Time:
h=7 m=55
